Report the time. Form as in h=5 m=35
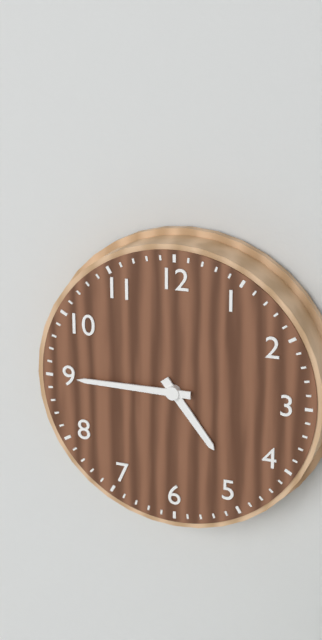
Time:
h=4 m=45
